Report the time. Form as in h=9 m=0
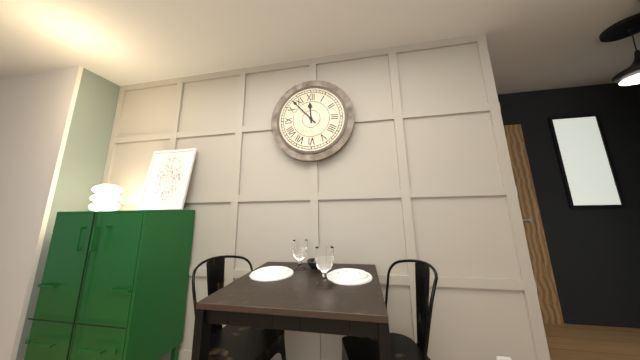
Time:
h=11 m=53
